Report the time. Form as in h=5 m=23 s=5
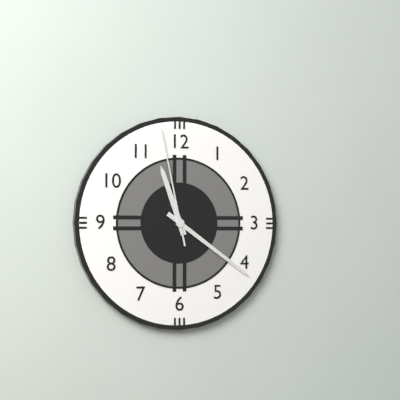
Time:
h=11 m=21 s=58
